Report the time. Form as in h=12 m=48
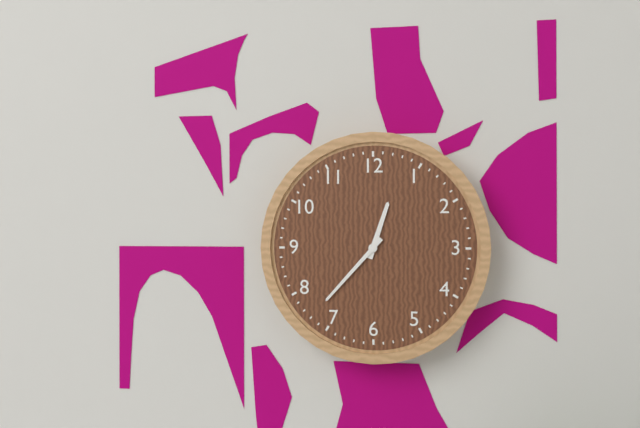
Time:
h=12 m=37
